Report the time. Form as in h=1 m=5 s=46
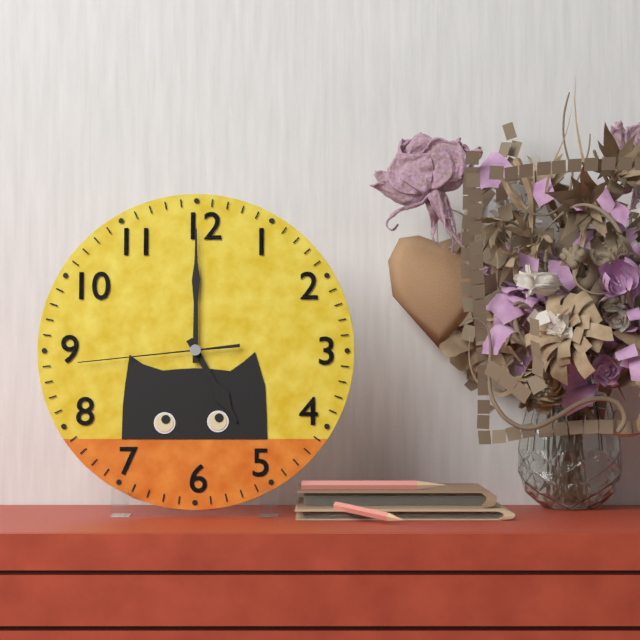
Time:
h=5 m=0 s=44
